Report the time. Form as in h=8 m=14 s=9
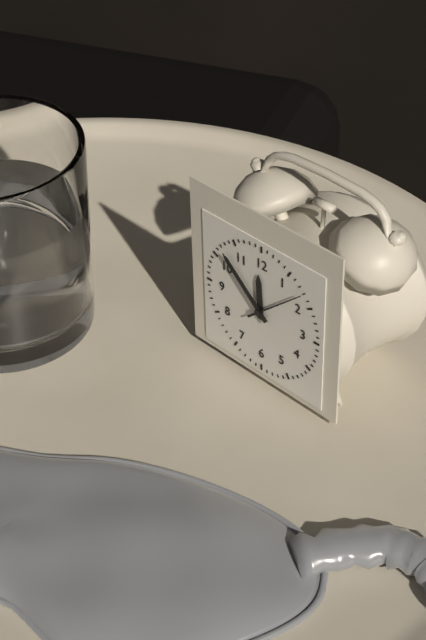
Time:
h=11 m=52 s=8
